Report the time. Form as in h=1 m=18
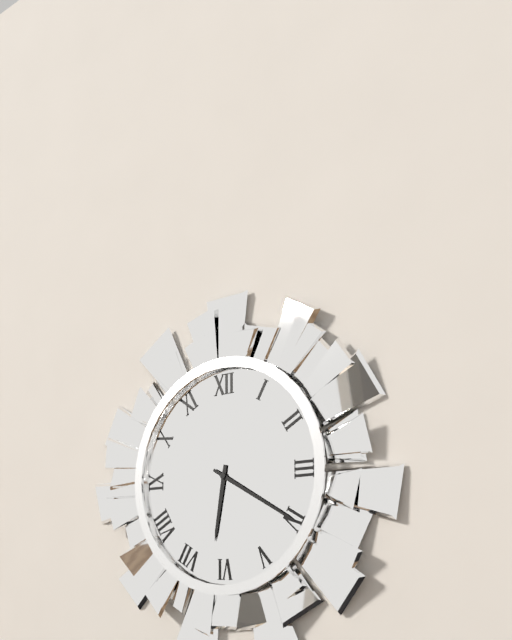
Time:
h=6 m=20
